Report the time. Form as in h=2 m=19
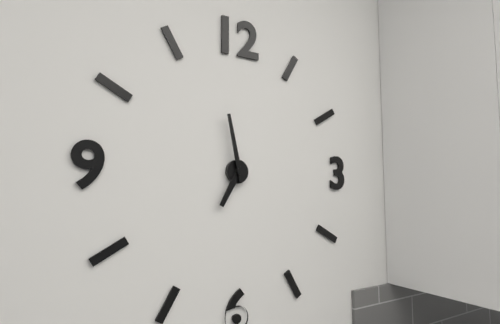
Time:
h=6 m=58
